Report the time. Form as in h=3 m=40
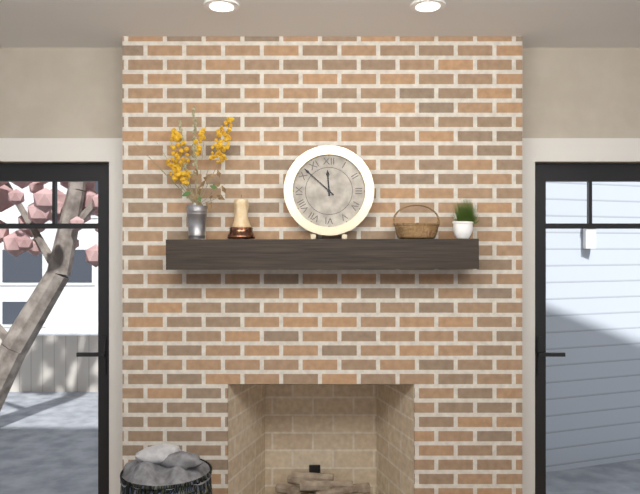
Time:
h=11 m=52
